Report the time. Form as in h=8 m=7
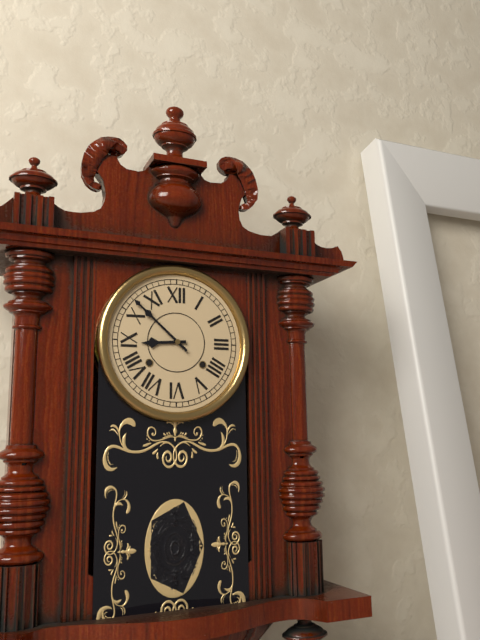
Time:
h=8 m=52
